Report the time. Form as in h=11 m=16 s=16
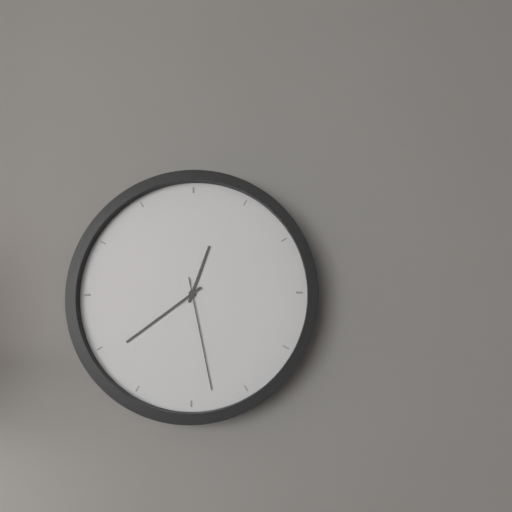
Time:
h=12 m=39 s=28
